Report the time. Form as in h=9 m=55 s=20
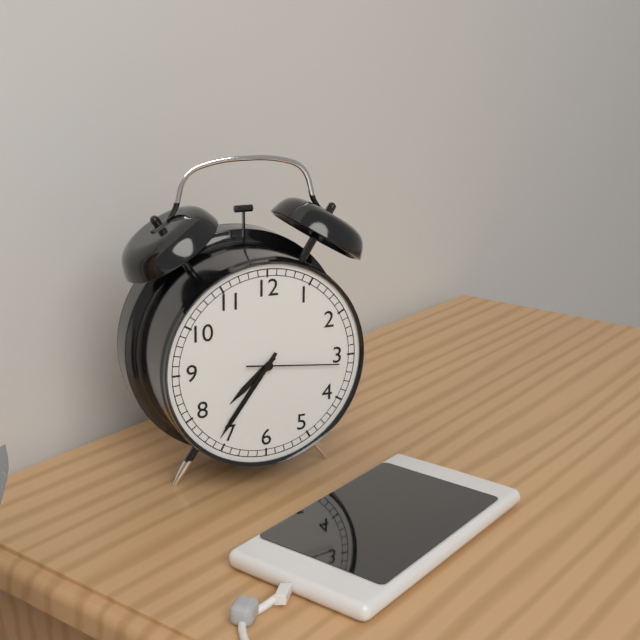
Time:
h=7 m=36 s=16
